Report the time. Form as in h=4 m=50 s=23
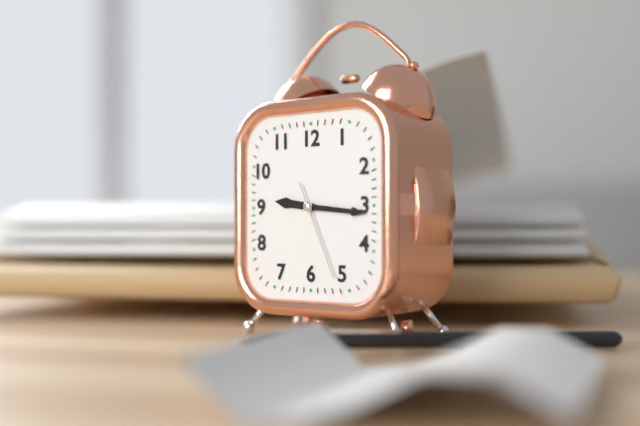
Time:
h=9 m=16 s=26
